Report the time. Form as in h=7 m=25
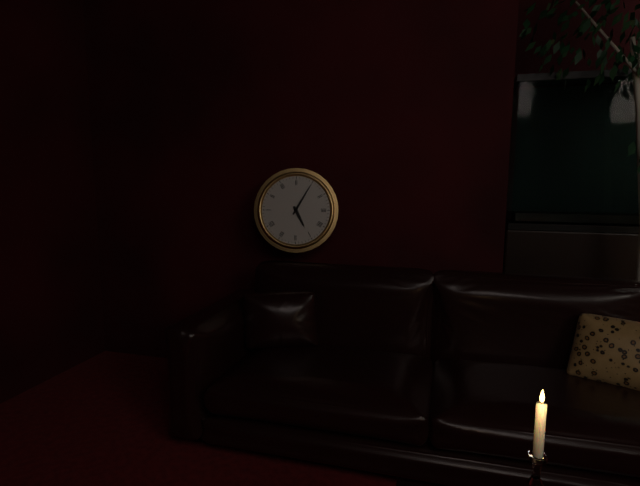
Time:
h=5 m=5
